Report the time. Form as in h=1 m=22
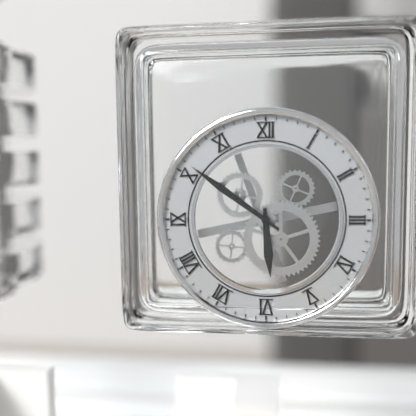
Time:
h=5 m=51
